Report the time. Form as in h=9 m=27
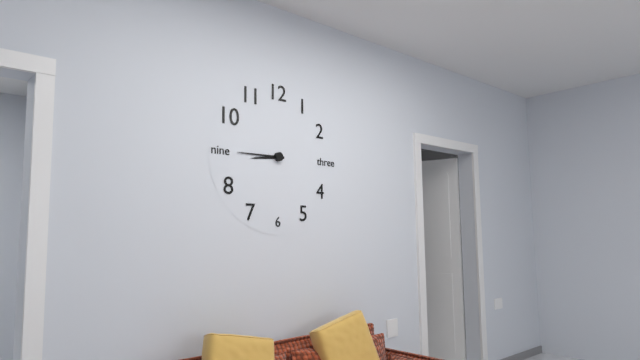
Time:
h=8 m=45
